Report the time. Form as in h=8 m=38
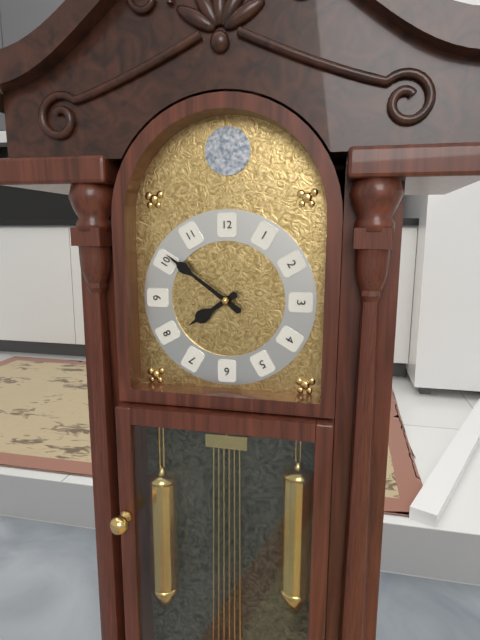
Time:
h=7 m=51
